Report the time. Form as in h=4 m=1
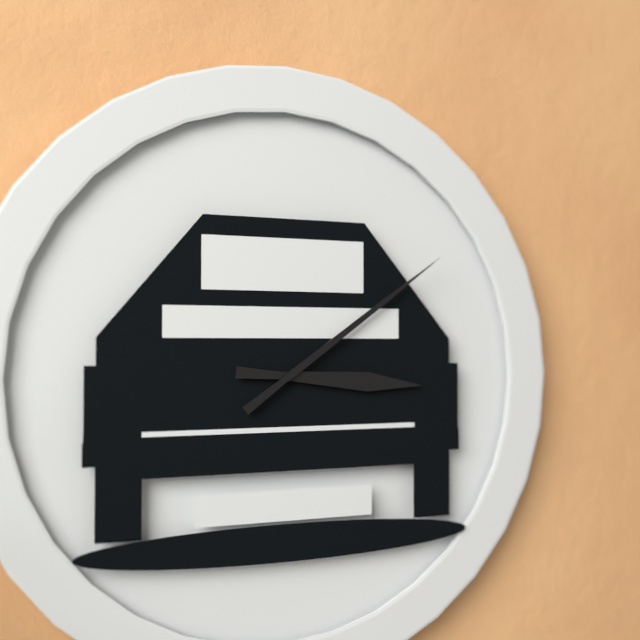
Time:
h=3 m=9
